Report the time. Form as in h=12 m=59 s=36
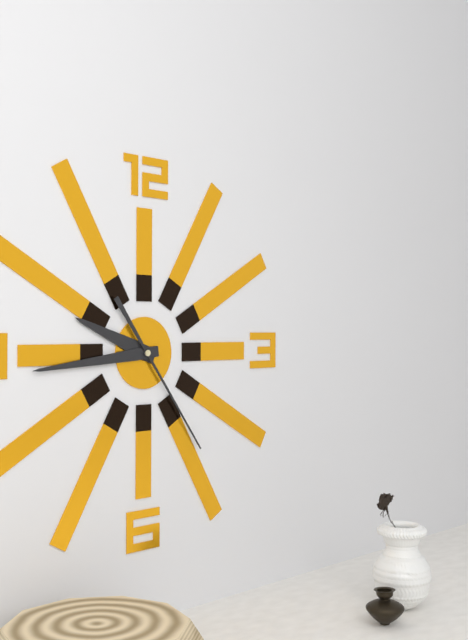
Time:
h=9 m=44 s=24
